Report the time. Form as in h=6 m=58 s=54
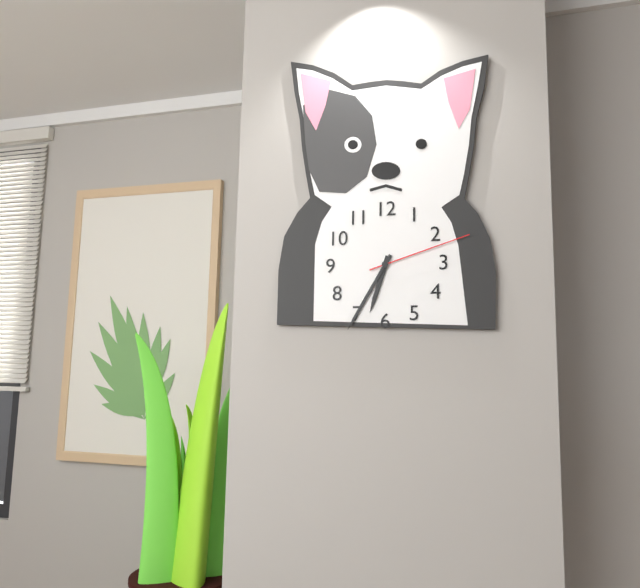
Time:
h=6 m=35 s=12
